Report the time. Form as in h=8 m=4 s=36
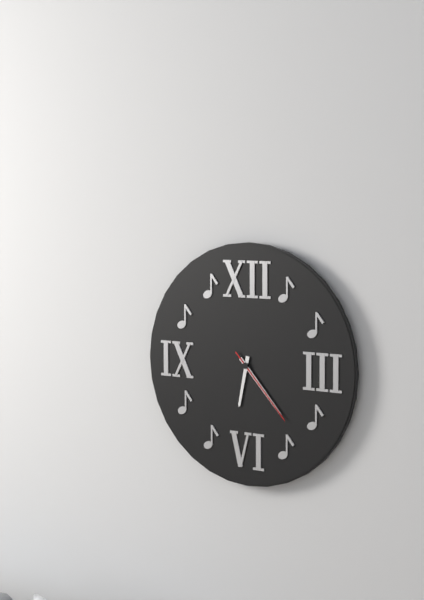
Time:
h=6 m=23 s=23
